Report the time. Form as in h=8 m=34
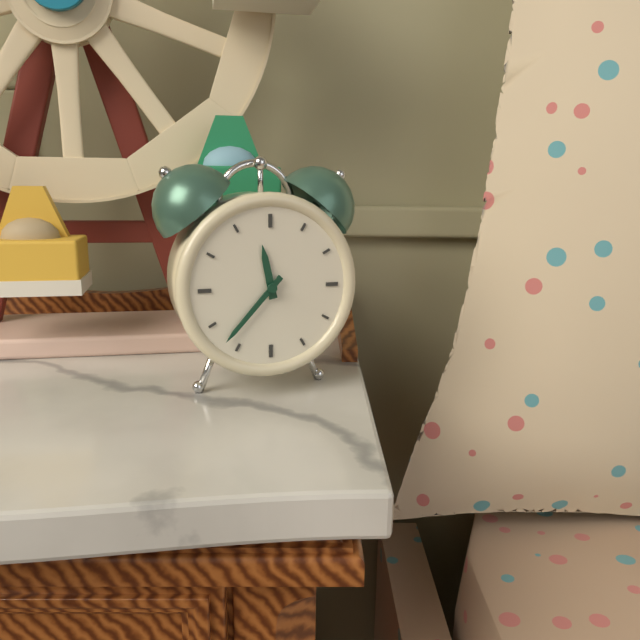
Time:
h=11 m=37
